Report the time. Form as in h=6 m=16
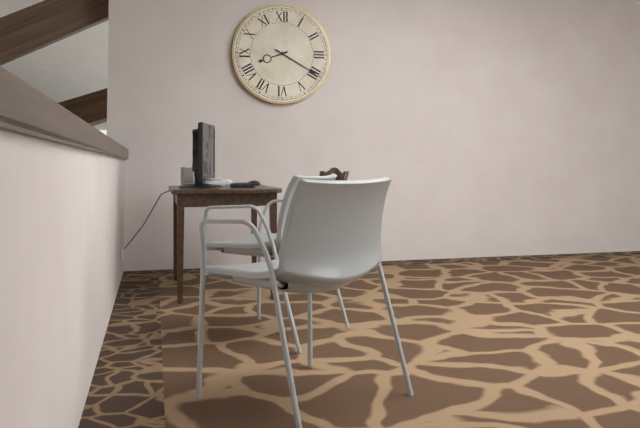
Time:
h=8 m=20
